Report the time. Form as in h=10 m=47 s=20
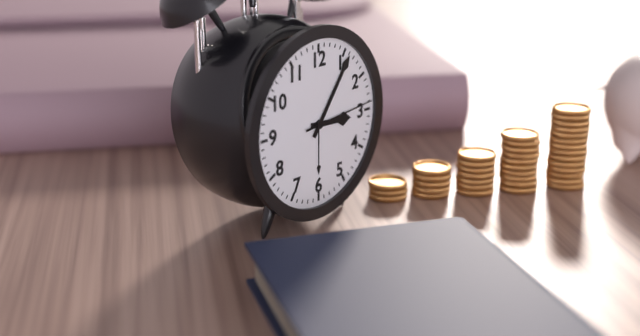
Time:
h=3 m=6 s=14
